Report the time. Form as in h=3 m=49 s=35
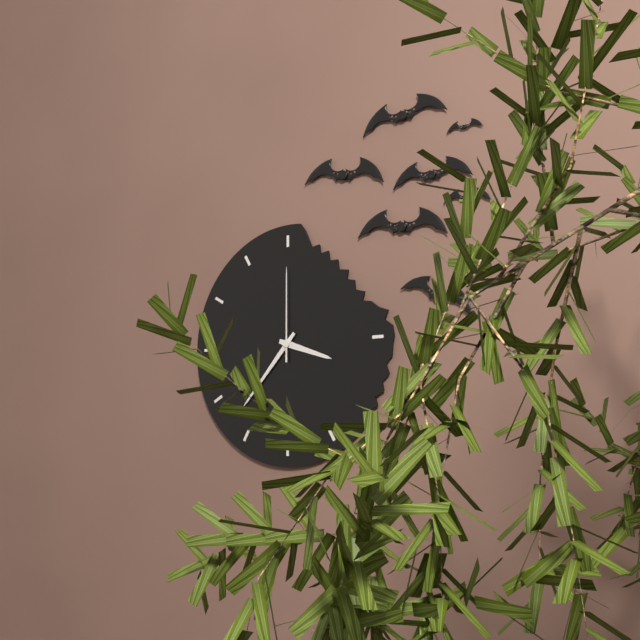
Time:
h=3 m=37 s=0
